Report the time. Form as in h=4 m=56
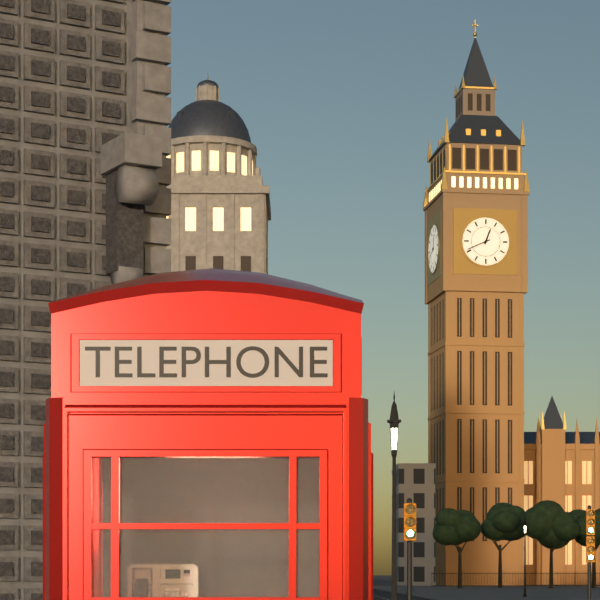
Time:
h=12 m=41
